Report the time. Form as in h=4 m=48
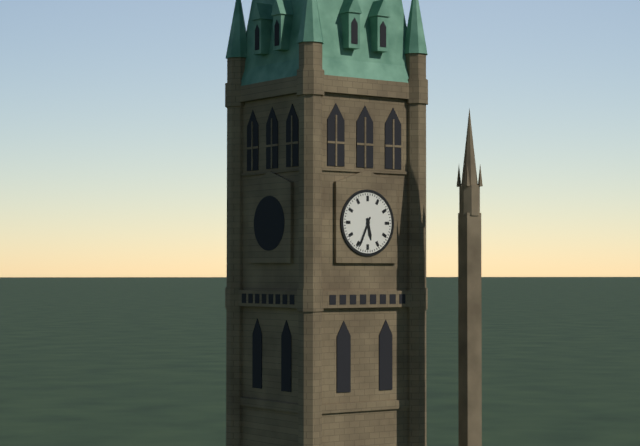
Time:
h=5 m=34
